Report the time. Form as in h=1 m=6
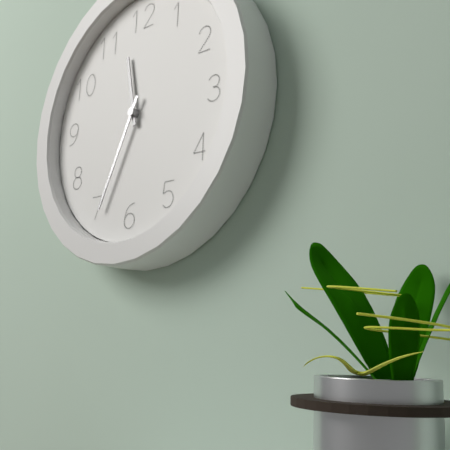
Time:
h=11 m=34
